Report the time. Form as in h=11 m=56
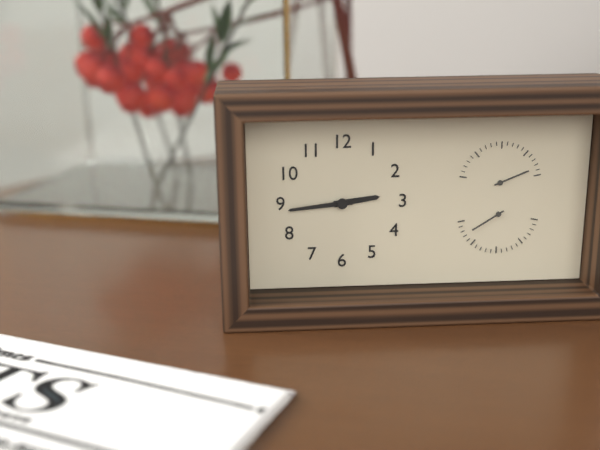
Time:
h=2 m=44
